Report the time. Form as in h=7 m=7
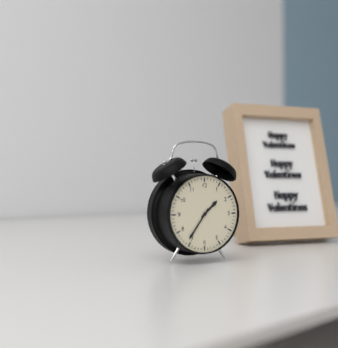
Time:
h=1 m=36
